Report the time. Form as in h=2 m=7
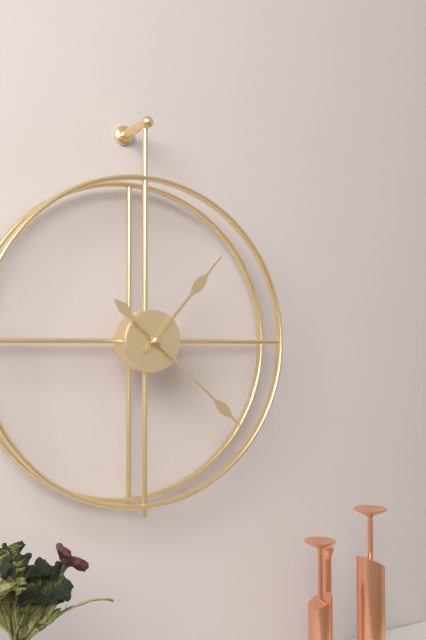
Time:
h=1 m=22
